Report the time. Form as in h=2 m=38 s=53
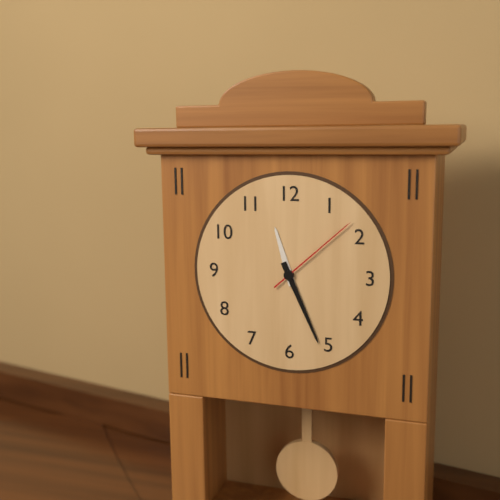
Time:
h=11 m=26 s=8
